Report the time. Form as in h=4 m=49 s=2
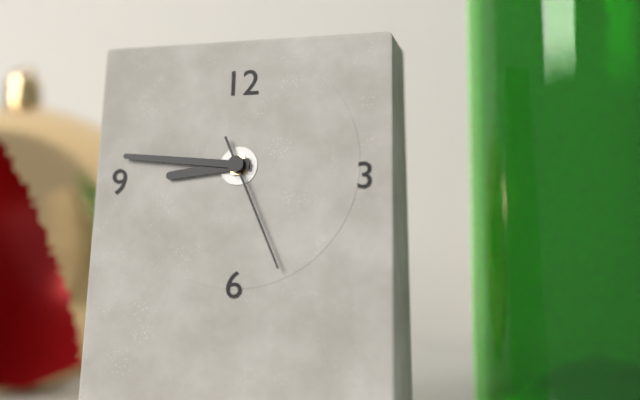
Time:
h=8 m=46 s=26
